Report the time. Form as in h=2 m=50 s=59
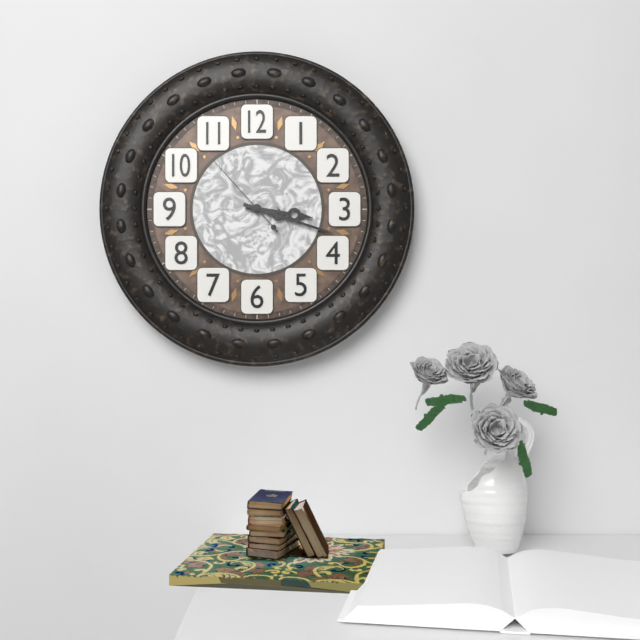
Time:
h=3 m=18 s=53
